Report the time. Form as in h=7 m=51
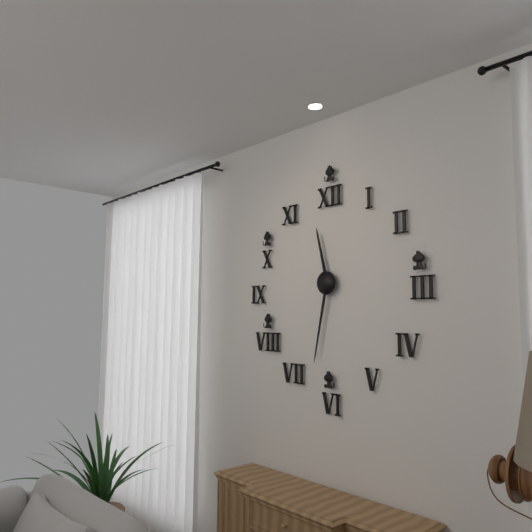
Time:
h=11 m=32
